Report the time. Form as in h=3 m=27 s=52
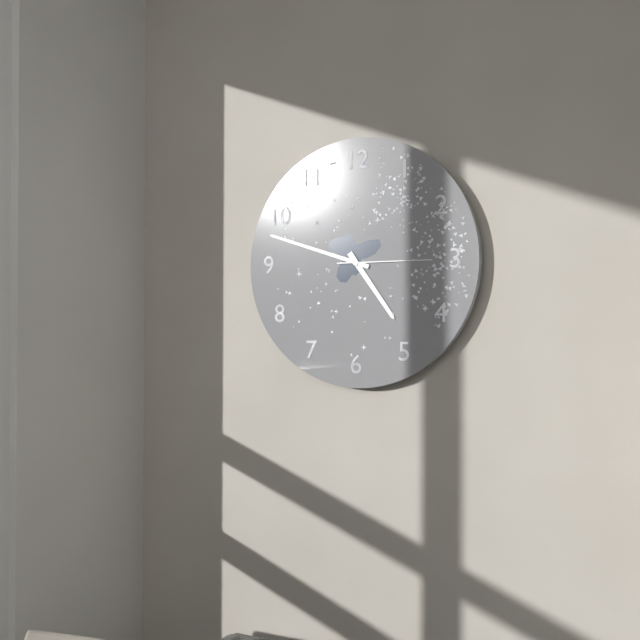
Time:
h=4 m=48 s=15
